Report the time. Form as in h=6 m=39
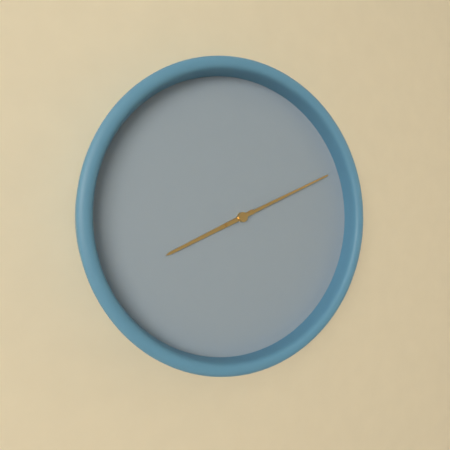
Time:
h=8 m=11
